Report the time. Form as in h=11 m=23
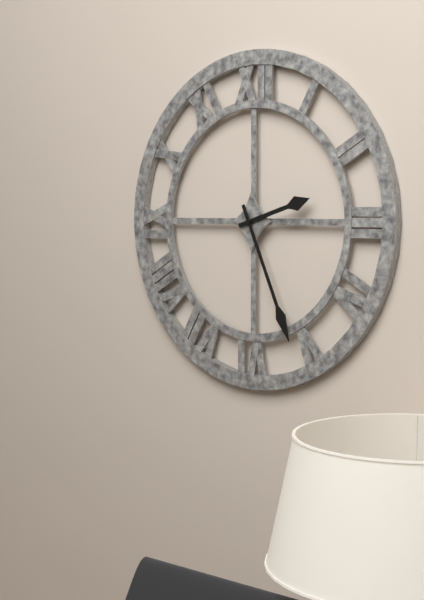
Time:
h=2 m=26
